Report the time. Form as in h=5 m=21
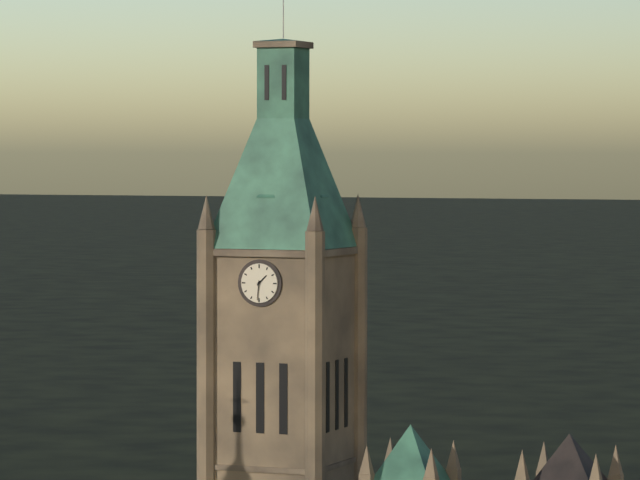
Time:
h=1 m=31
